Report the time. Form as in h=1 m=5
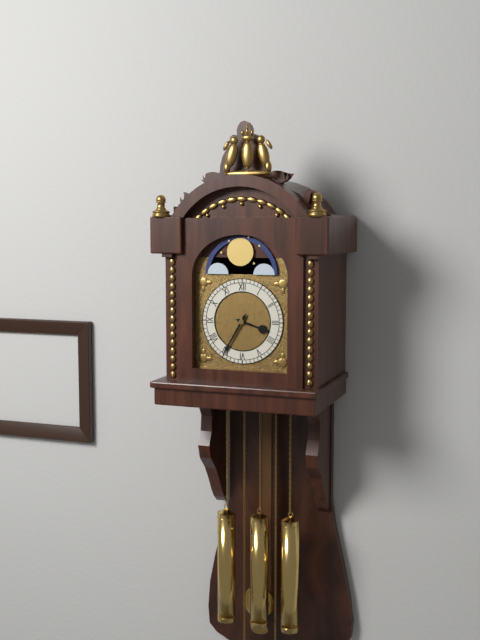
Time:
h=3 m=35
